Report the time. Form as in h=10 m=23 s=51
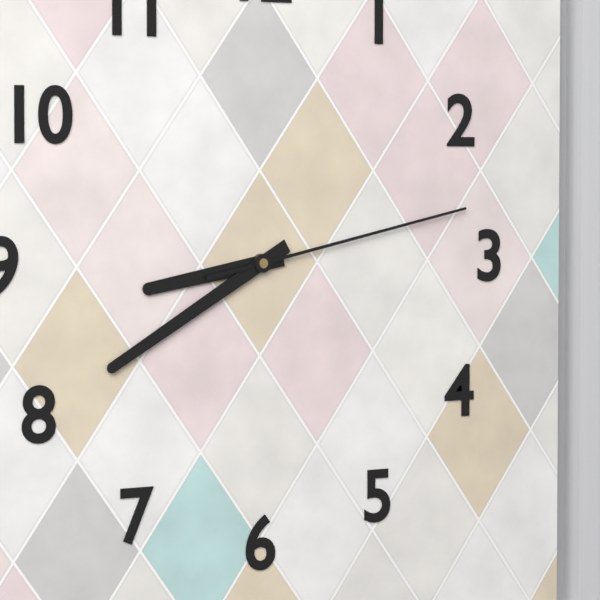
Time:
h=8 m=40 s=13
